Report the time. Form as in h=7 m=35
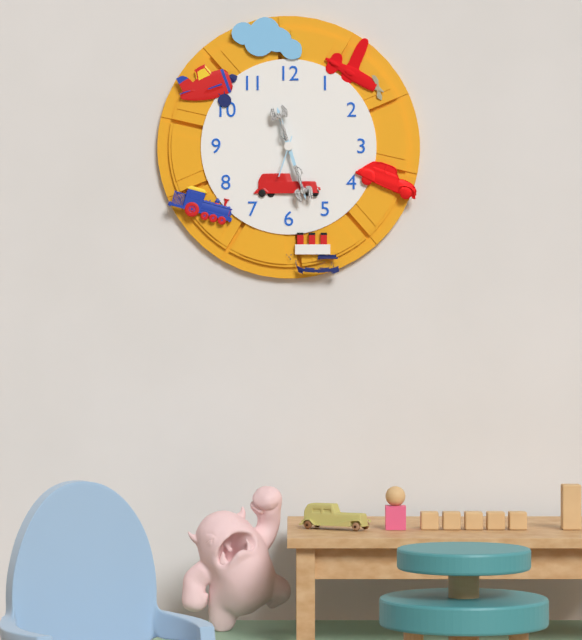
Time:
h=11 m=27
